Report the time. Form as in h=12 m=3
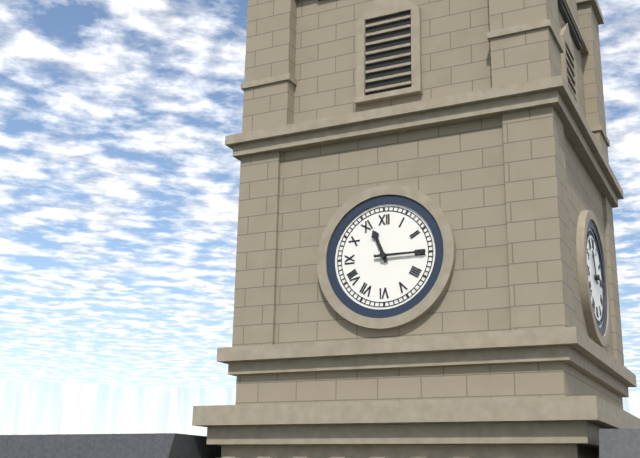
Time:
h=11 m=15
